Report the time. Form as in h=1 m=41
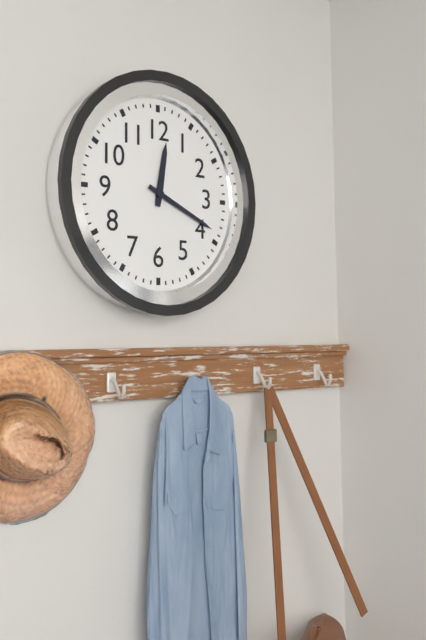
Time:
h=12 m=19
